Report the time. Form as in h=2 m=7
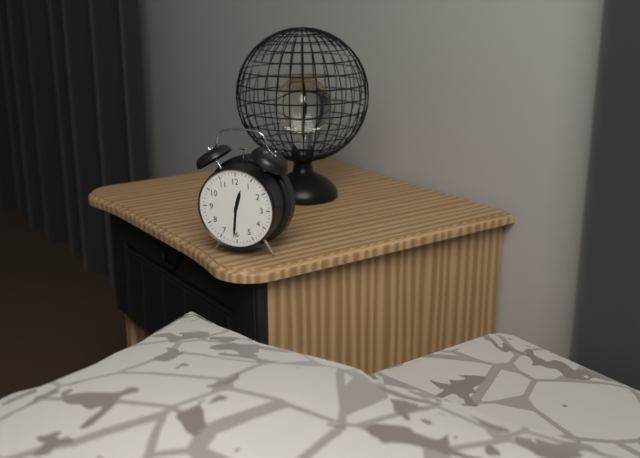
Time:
h=12 m=31
